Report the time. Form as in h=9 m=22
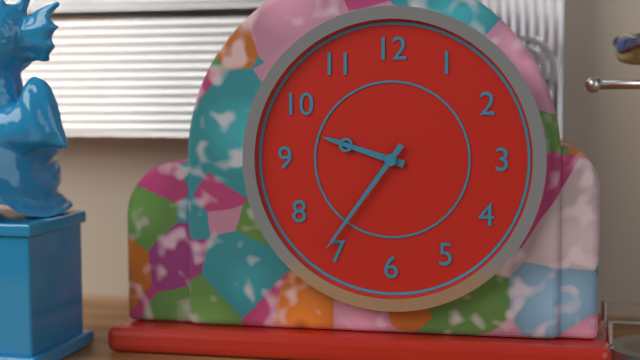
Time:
h=9 m=36
